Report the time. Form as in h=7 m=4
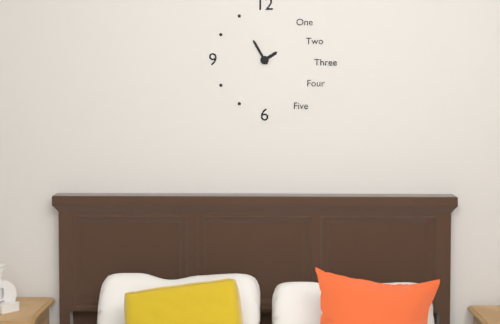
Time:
h=1 m=55
